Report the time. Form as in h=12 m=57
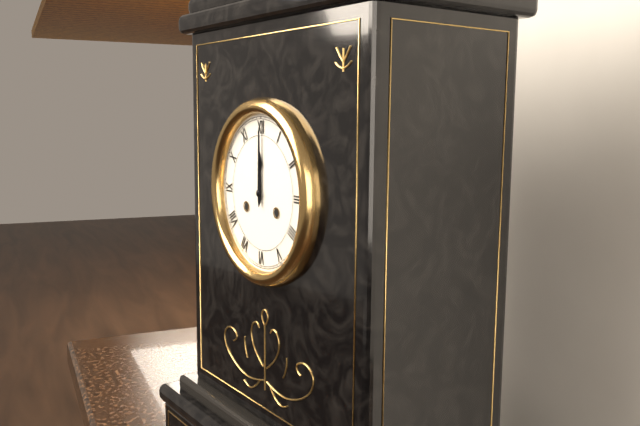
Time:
h=12 m=0
